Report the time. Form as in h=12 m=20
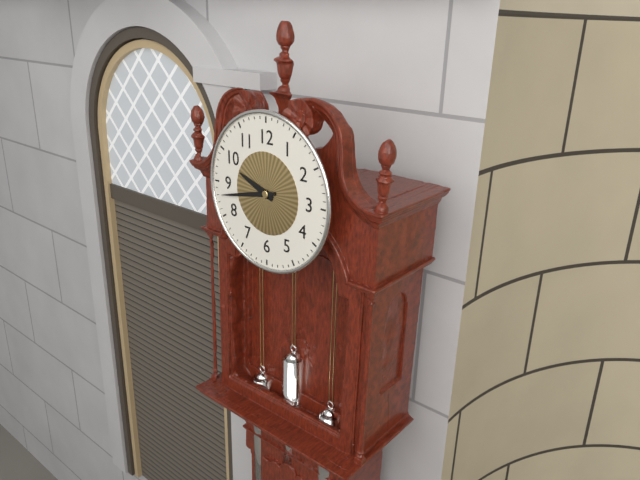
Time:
h=9 m=43
